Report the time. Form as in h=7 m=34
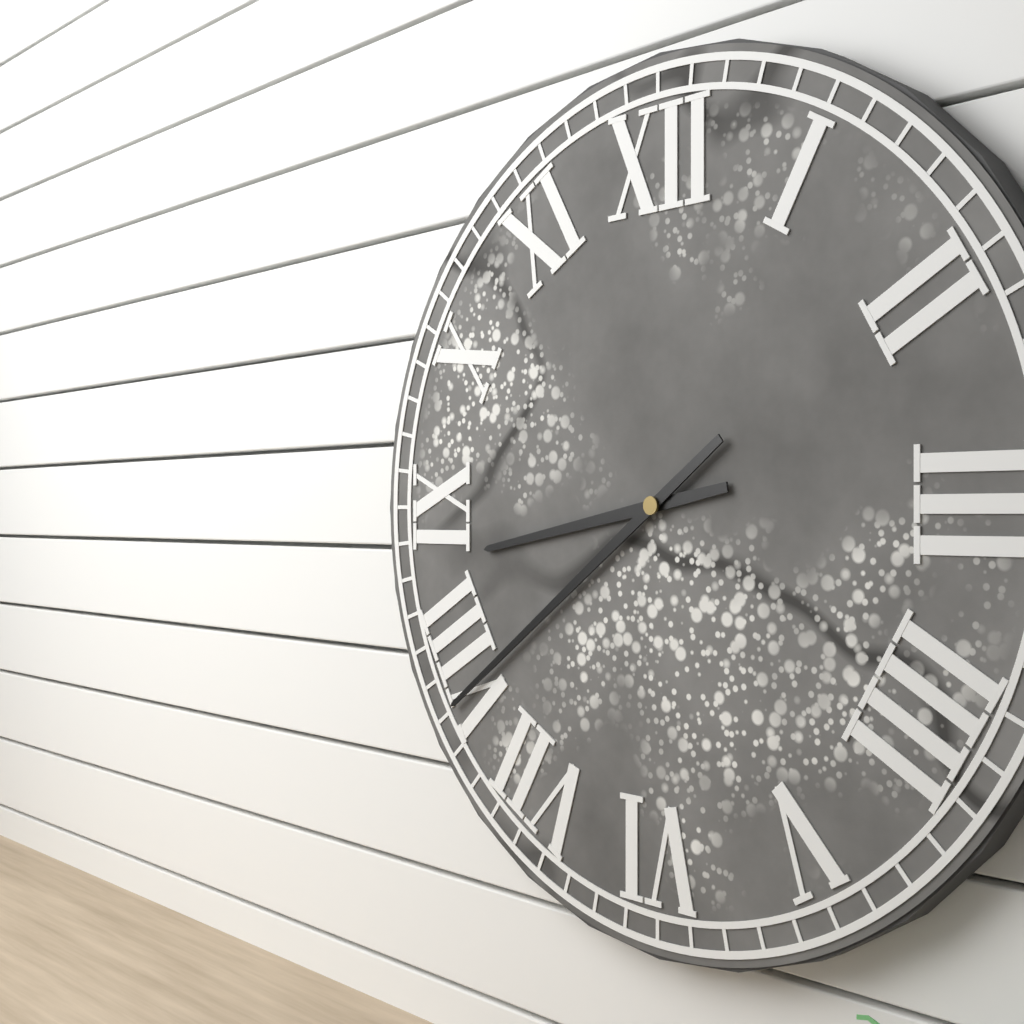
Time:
h=8 m=39
